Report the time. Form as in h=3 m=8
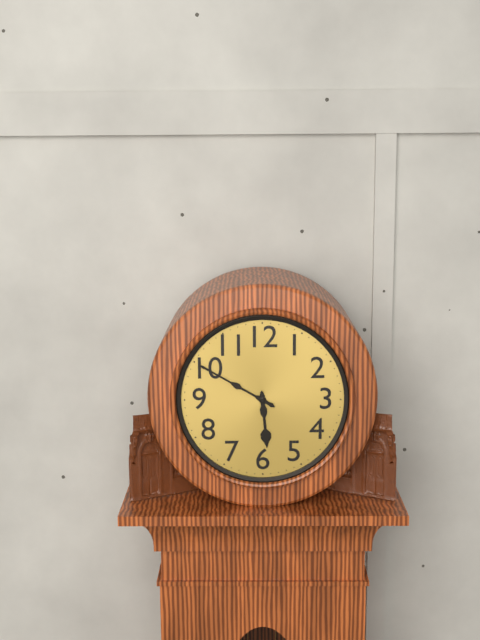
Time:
h=5 m=50
